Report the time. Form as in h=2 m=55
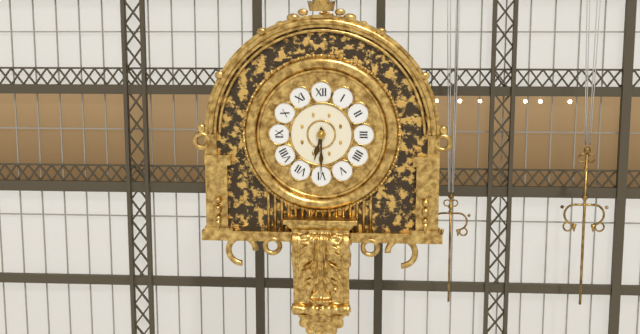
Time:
h=6 m=30
